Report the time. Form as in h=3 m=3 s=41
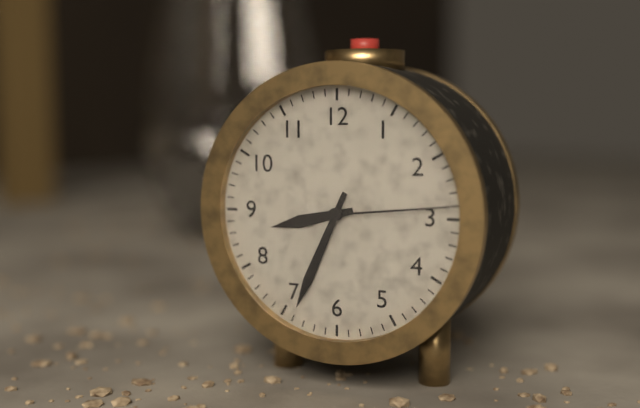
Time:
h=8 m=34 s=14
